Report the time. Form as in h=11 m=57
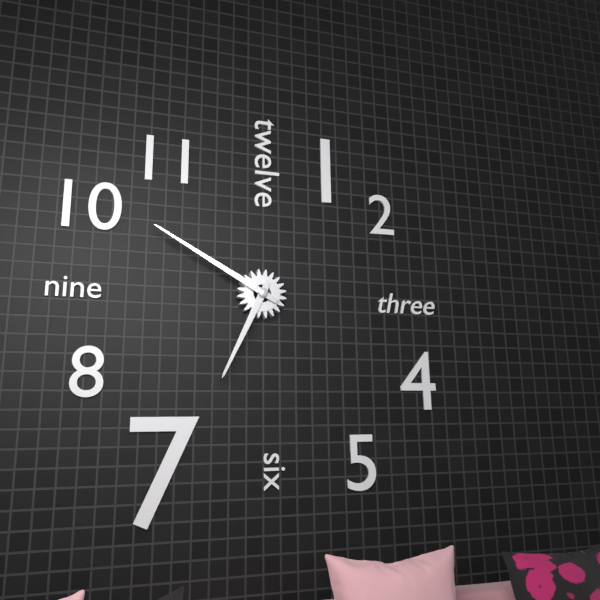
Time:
h=6 m=50
